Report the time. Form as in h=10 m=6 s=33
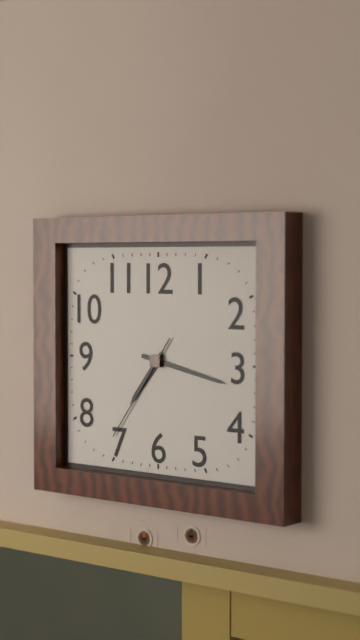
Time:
h=7 m=17 s=36
